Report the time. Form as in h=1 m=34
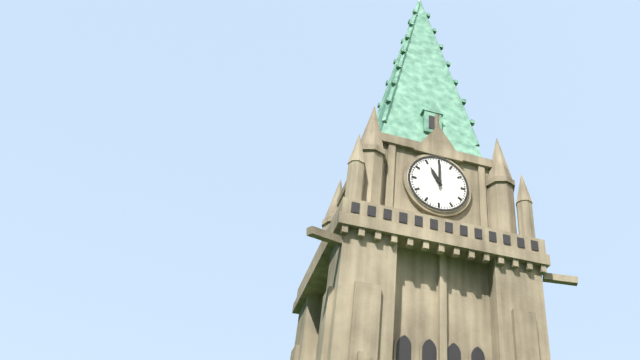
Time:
h=11 m=0
